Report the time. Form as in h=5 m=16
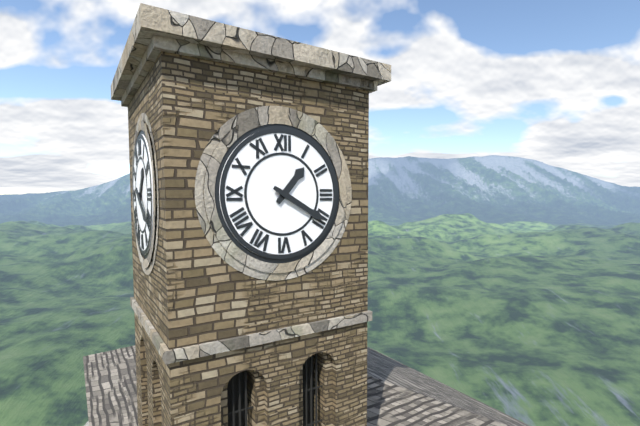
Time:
h=1 m=20
